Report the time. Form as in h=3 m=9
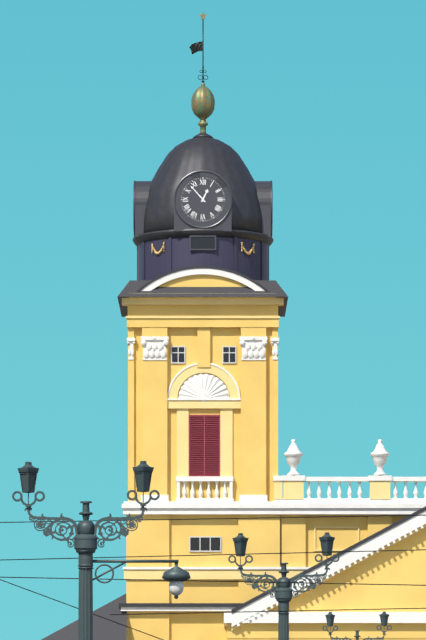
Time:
h=12 m=53
